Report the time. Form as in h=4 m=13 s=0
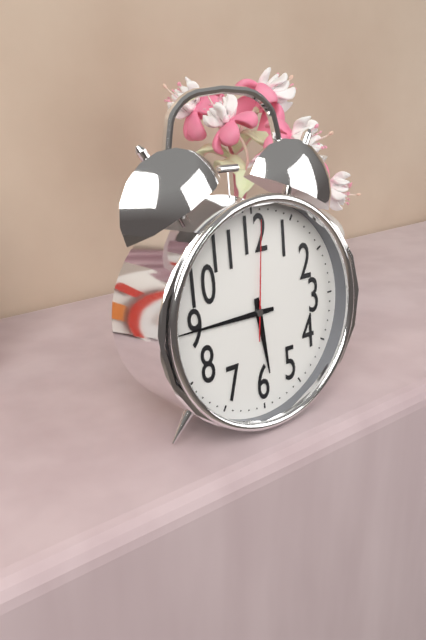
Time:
h=5 m=45 s=1
